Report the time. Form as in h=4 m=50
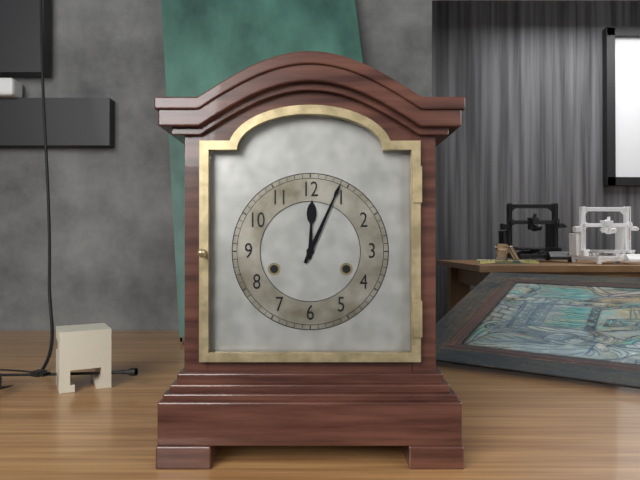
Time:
h=12 m=4
